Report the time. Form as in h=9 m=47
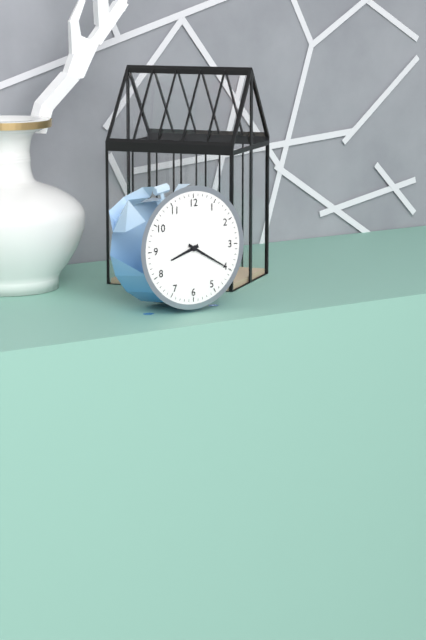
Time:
h=8 m=20
